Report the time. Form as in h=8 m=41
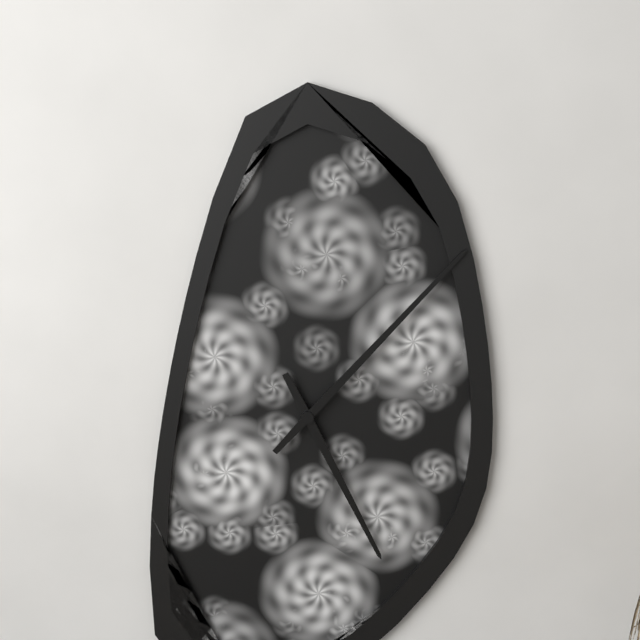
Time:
h=5 m=7
